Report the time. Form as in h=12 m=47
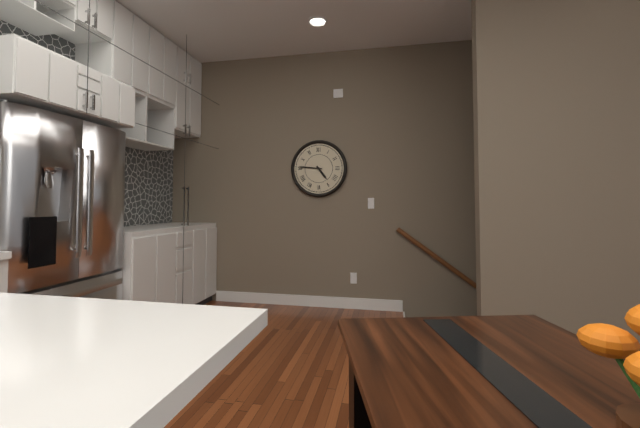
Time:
h=4 m=46
